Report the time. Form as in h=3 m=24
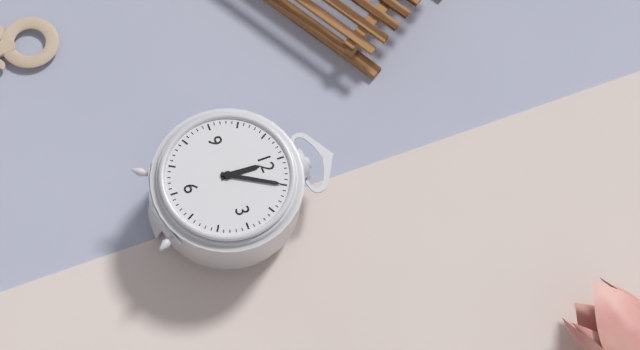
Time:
h=12 m=5
